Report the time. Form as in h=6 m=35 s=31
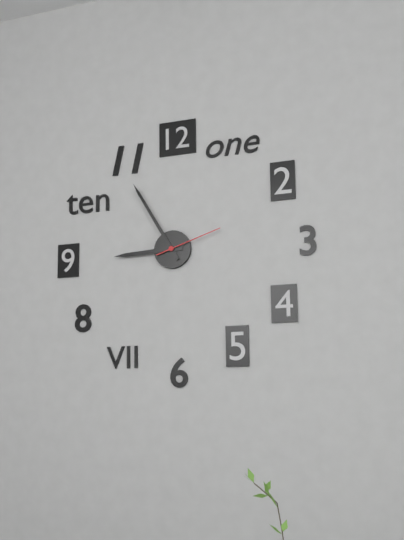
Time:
h=8 m=55 s=12
